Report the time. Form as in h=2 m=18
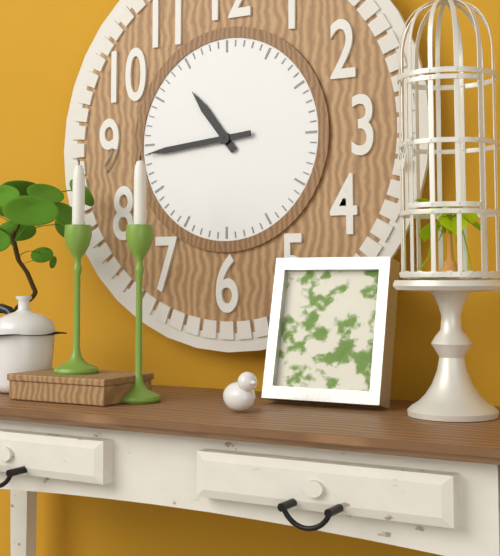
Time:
h=10 m=44
